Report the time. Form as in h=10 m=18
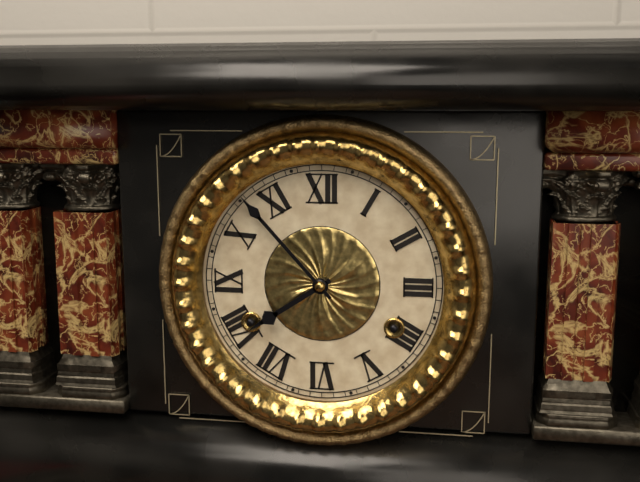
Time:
h=7 m=53
